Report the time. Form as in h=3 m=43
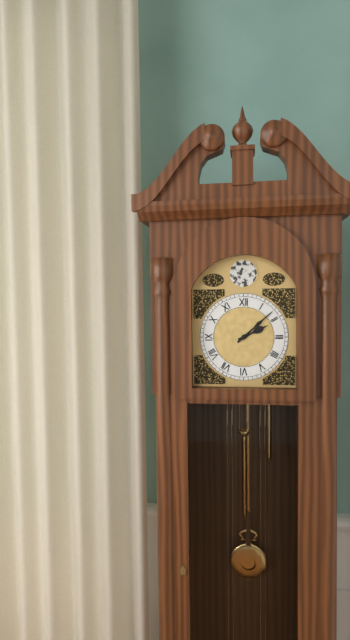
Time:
h=2 m=8
